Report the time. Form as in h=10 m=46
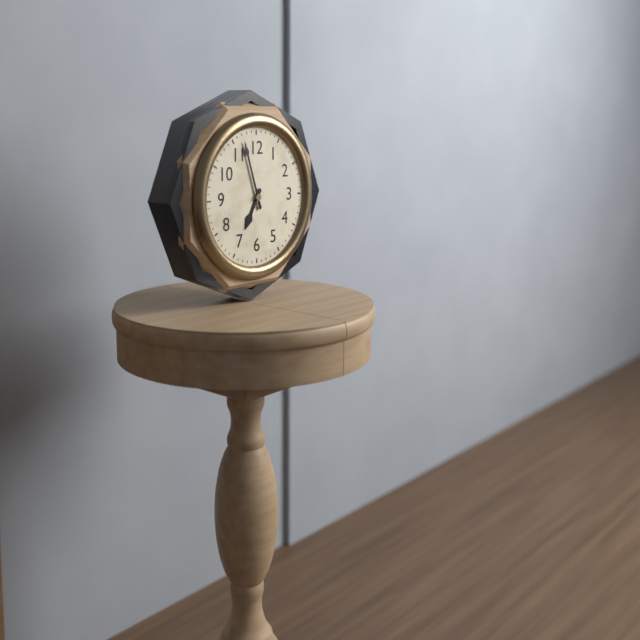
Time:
h=6 m=57
